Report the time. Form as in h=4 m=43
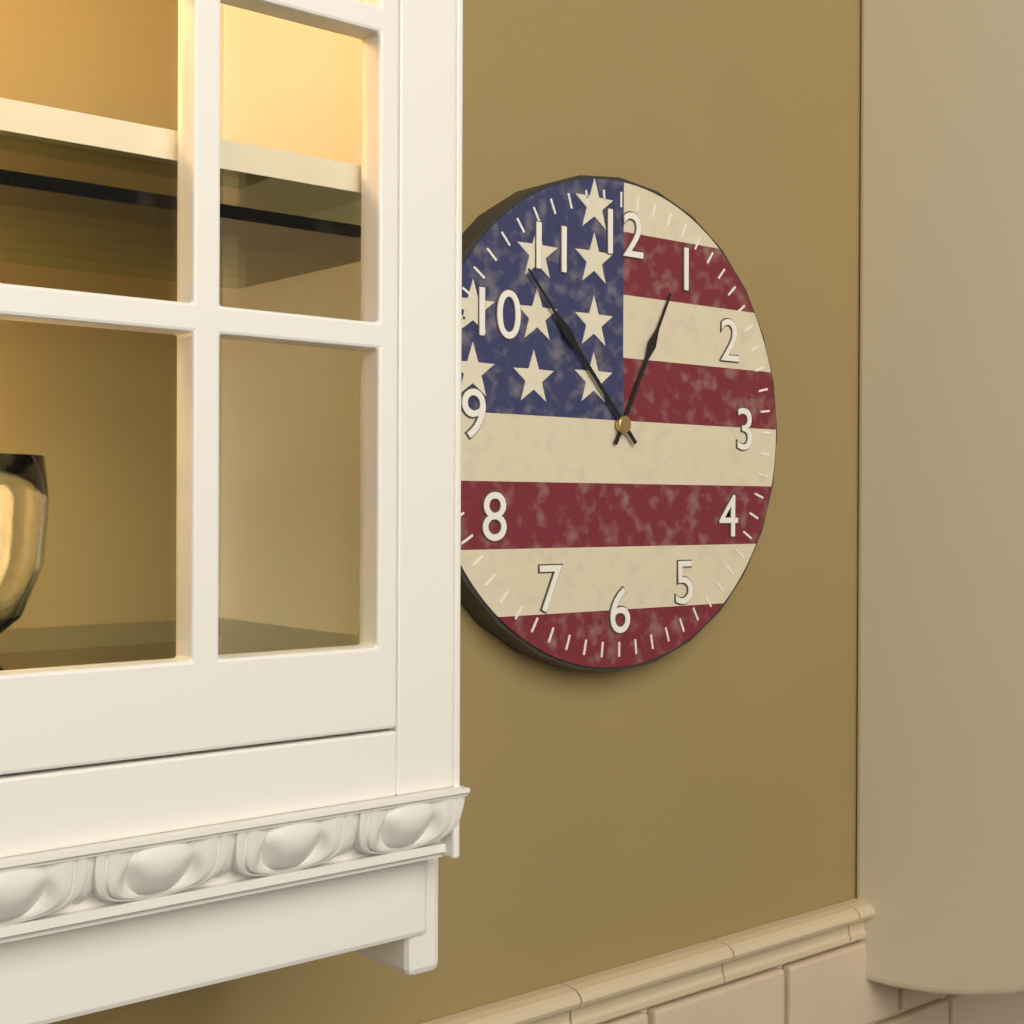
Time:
h=12 m=53
